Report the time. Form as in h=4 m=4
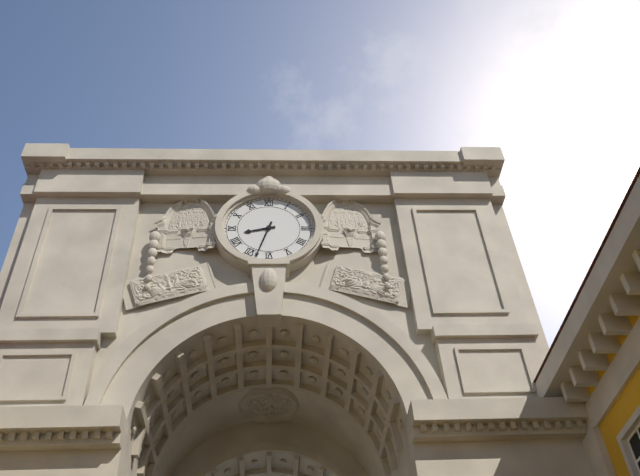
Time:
h=8 m=33
